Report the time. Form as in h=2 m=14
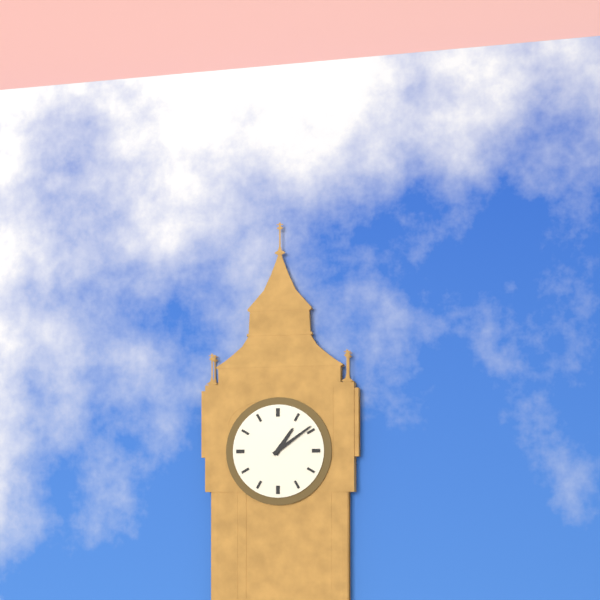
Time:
h=1 m=9
